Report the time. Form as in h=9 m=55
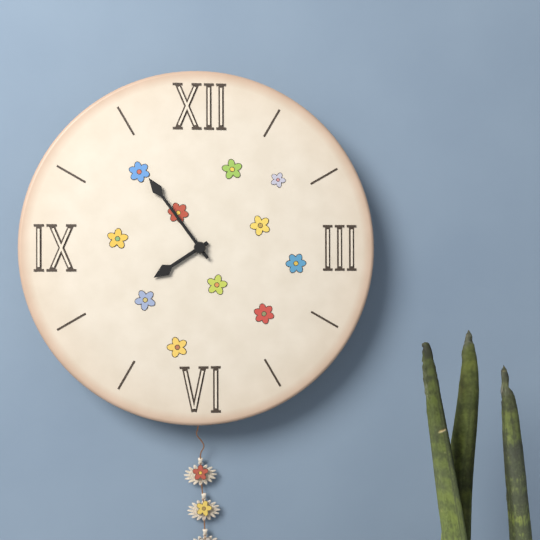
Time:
h=7 m=54
